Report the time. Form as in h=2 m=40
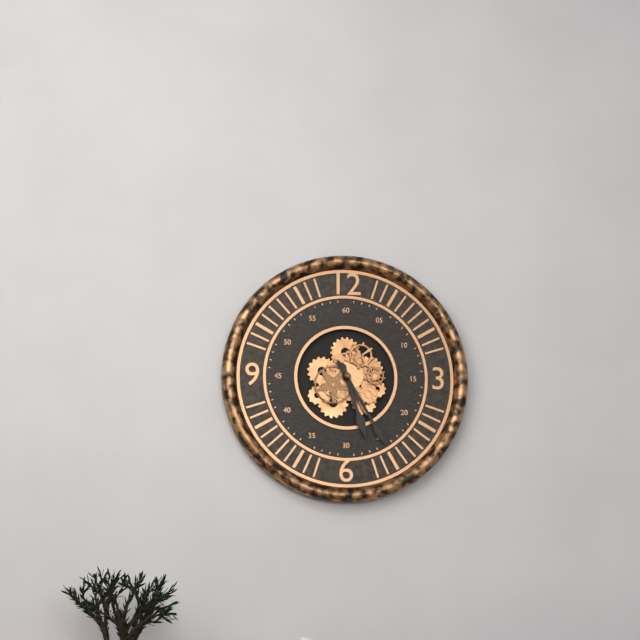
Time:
h=5 m=25
